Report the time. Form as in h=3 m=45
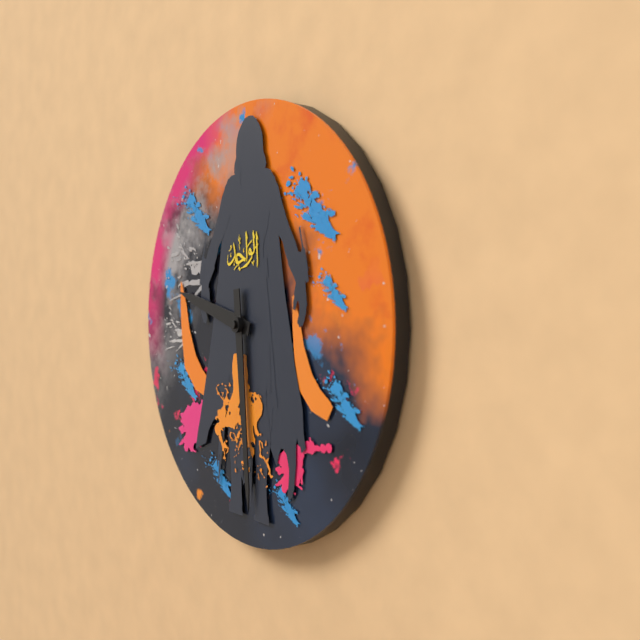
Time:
h=9 m=29
